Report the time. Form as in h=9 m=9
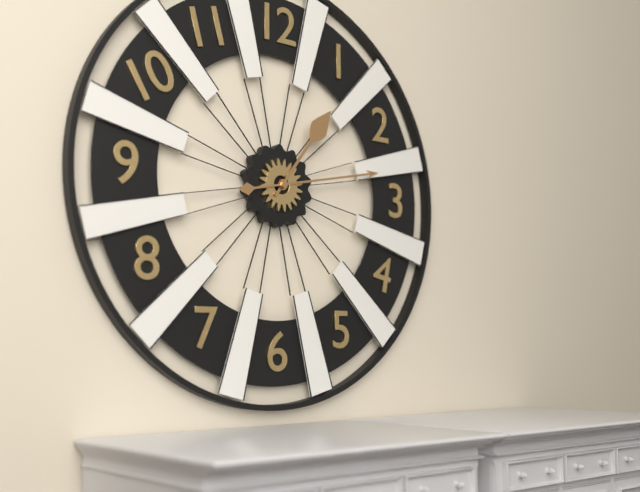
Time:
h=1 m=13
